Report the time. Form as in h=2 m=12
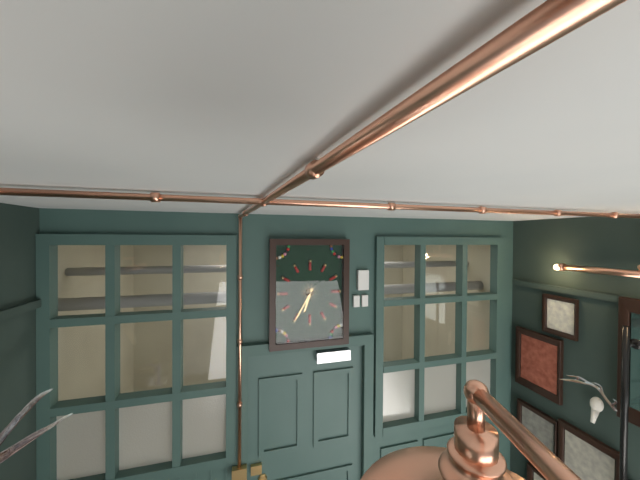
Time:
h=6 m=35
